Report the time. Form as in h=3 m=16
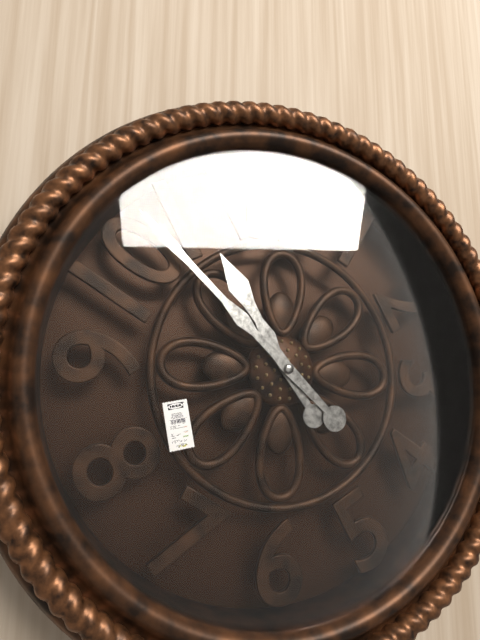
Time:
h=10 m=52
